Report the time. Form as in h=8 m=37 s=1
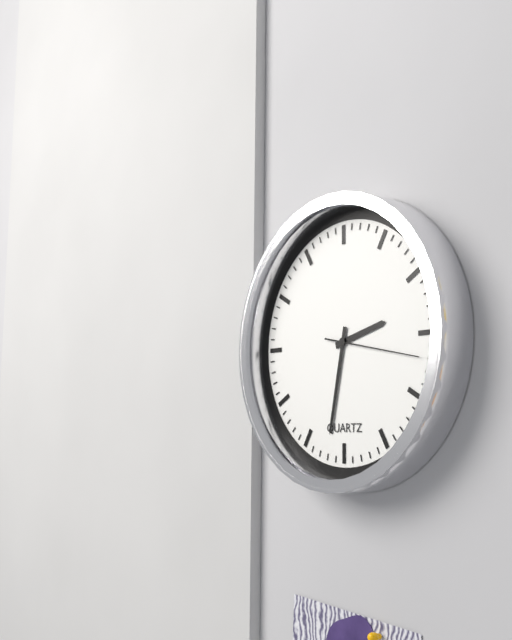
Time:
h=2 m=32 s=17
